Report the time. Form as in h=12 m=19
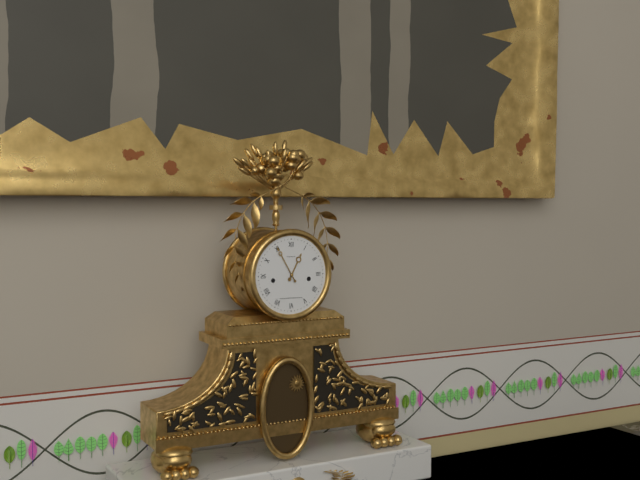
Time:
h=12 m=55
